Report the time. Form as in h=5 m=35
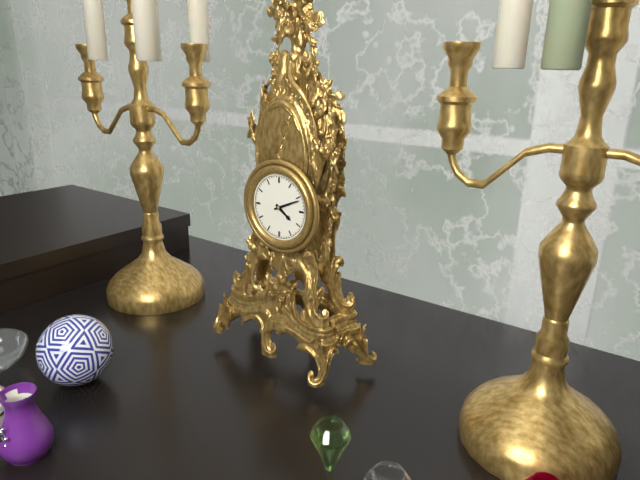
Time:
h=4 m=11
